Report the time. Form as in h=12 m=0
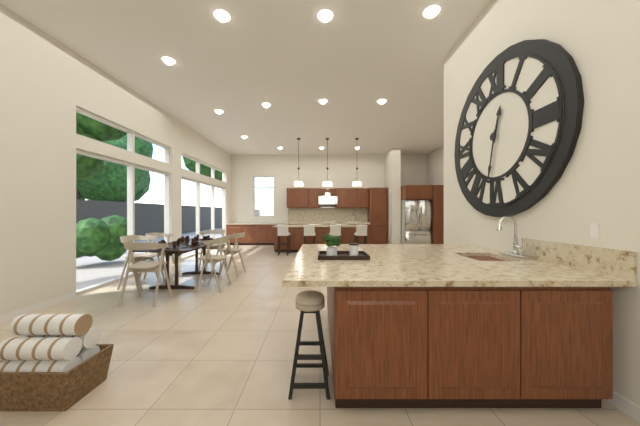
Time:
h=12 m=32
